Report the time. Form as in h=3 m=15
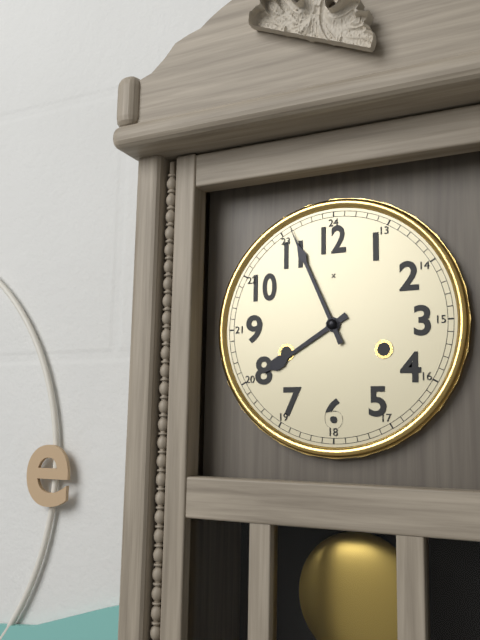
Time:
h=7 m=56
